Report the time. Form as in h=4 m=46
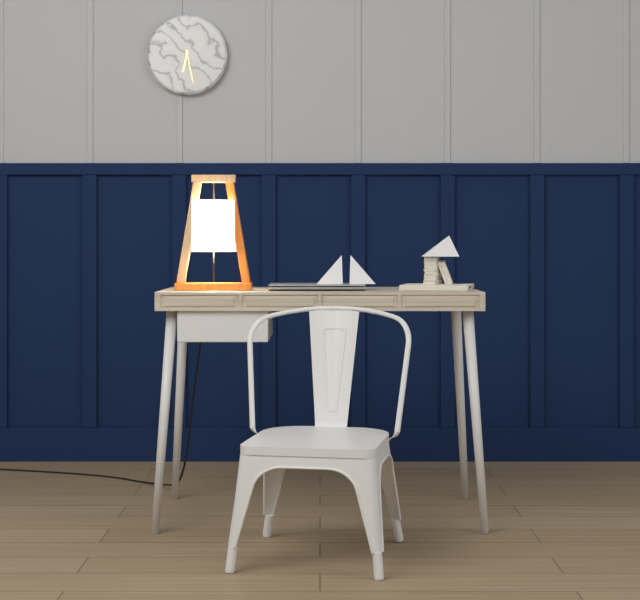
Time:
h=6 m=28
